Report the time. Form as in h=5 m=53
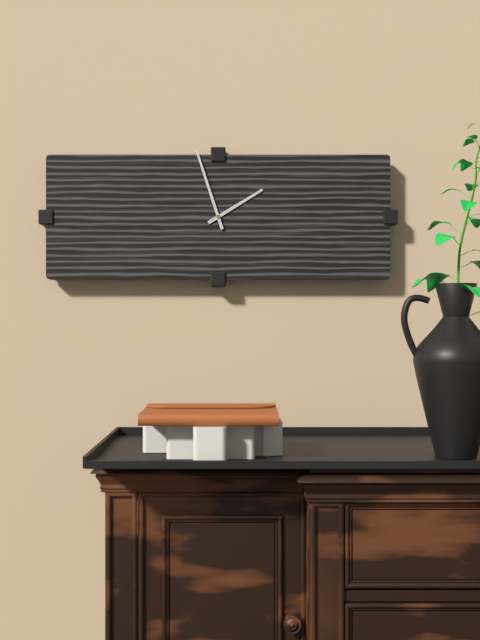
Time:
h=1 m=57
